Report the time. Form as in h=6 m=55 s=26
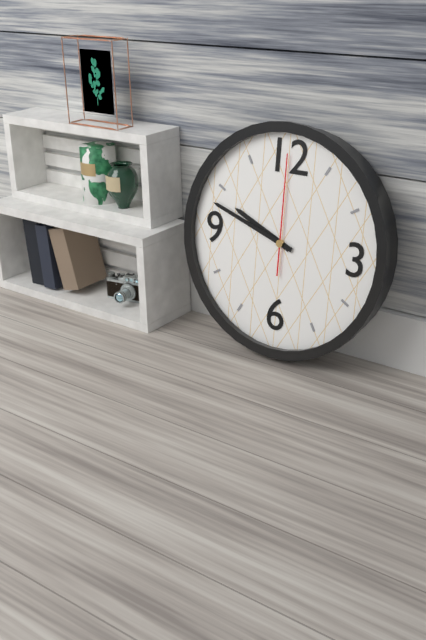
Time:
h=9 m=48 s=0
